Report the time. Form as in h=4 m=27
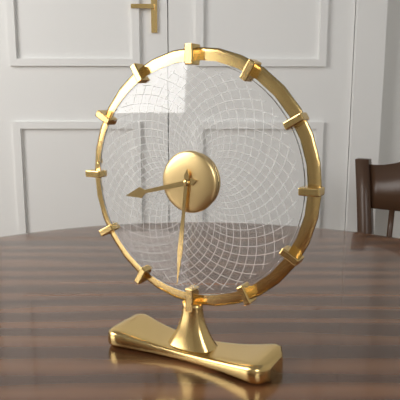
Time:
h=8 m=31
